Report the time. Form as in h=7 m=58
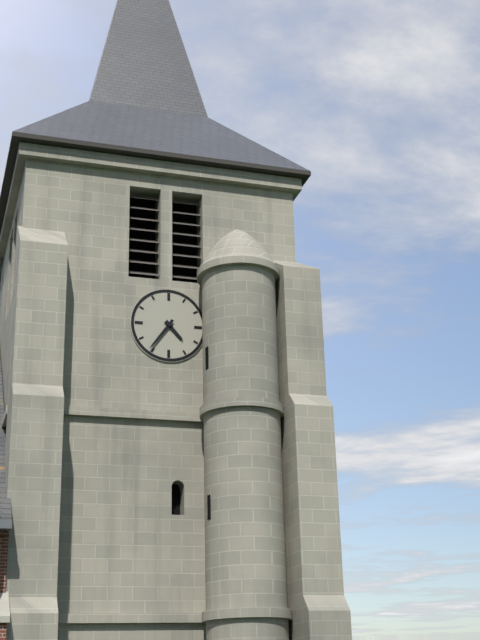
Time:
h=4 m=36
